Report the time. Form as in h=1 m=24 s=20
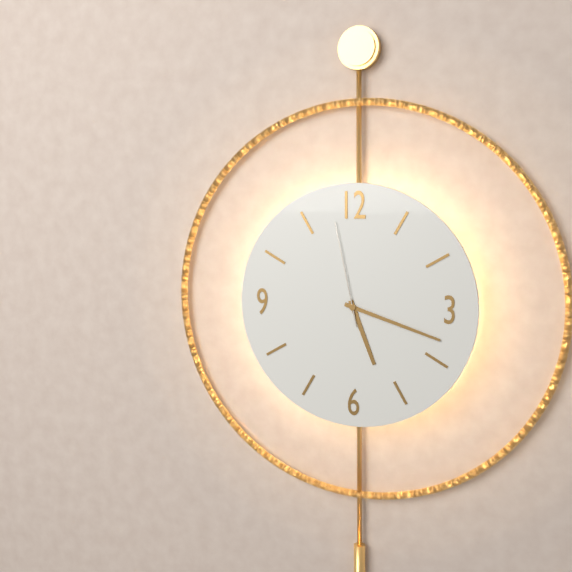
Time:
h=5 m=18 s=58
